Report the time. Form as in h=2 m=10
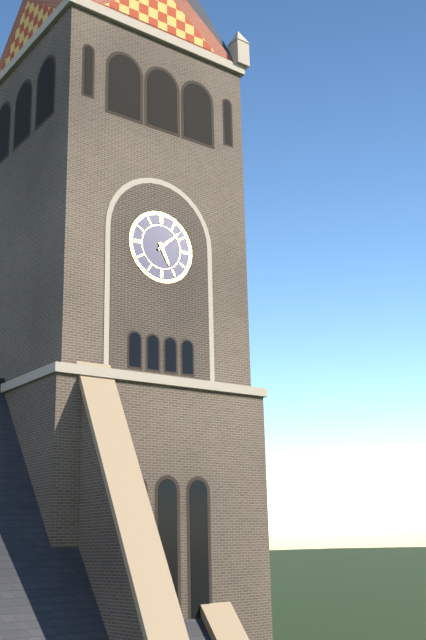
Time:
h=5 m=8
